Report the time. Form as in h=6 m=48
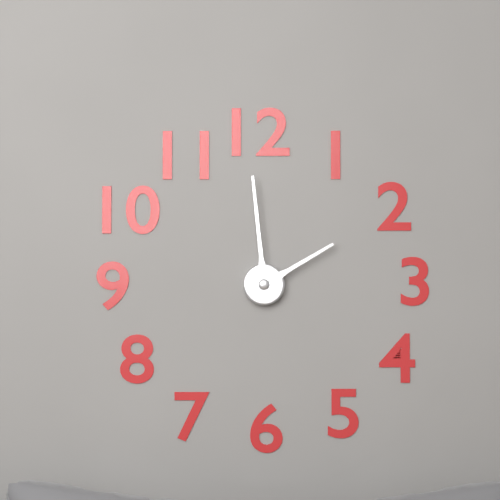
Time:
h=1 m=59
